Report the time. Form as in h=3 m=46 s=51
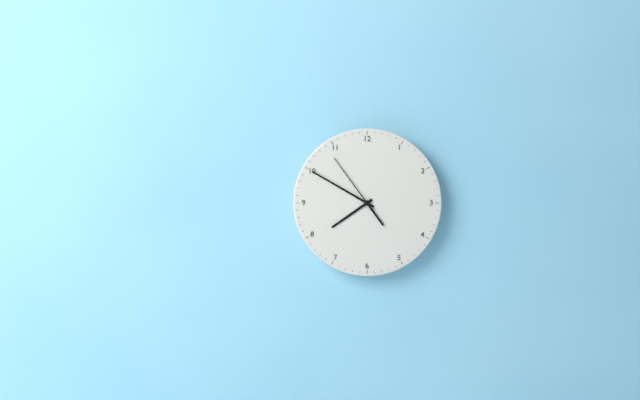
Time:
h=7 m=50 s=54
